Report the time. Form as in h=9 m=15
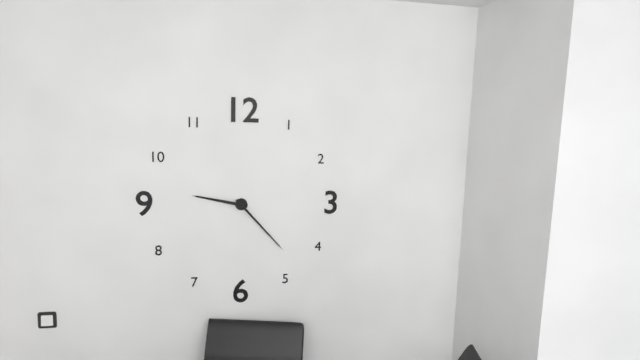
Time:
h=9 m=23
